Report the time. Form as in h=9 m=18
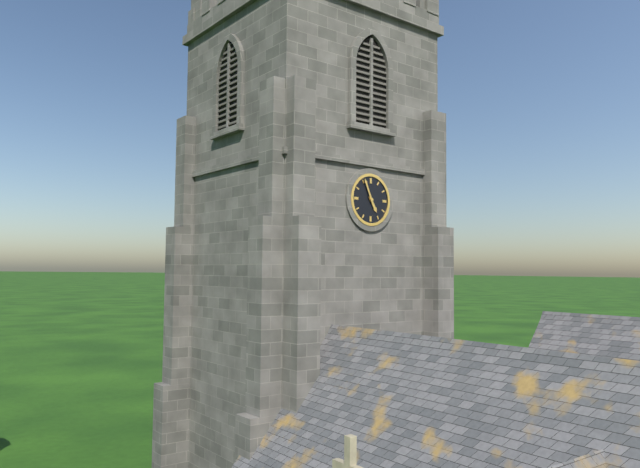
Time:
h=4 m=56
